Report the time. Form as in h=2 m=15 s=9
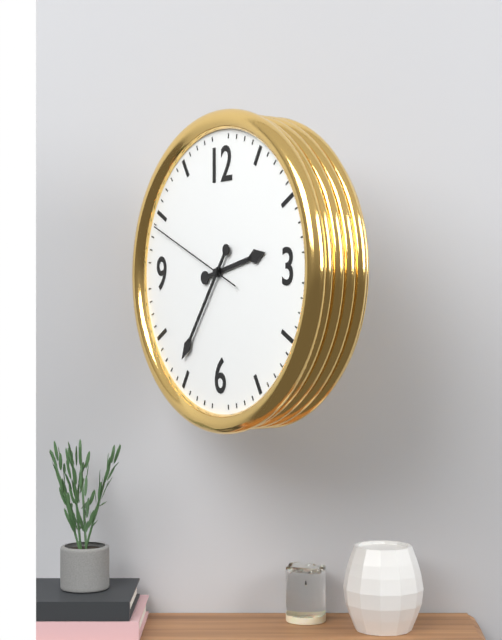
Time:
h=2 m=36 s=49
